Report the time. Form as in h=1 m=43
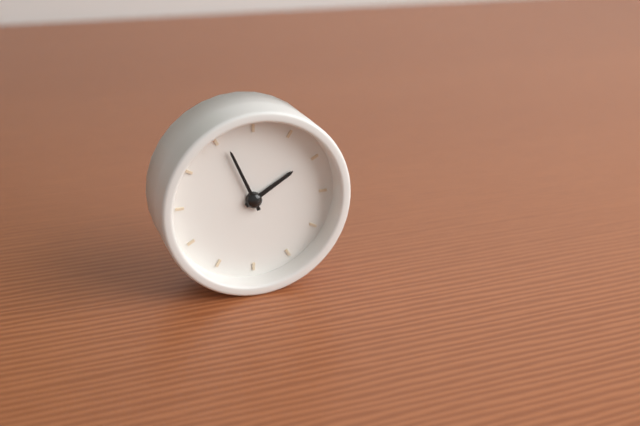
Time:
h=1 m=56
